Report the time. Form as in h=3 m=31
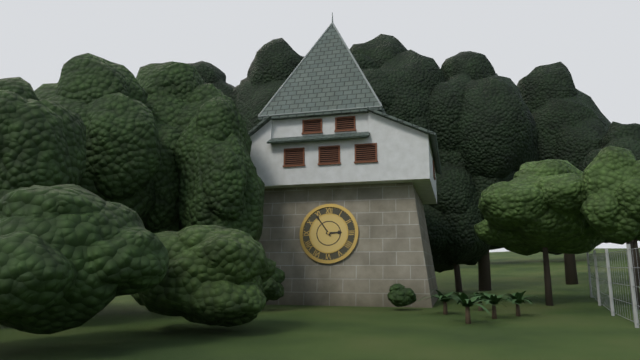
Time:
h=2 m=54
